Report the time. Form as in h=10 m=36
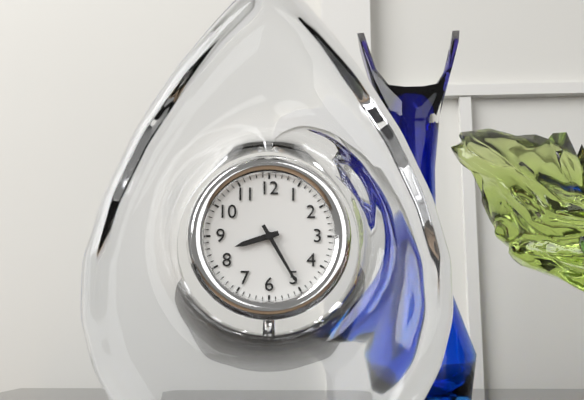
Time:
h=8 m=25
